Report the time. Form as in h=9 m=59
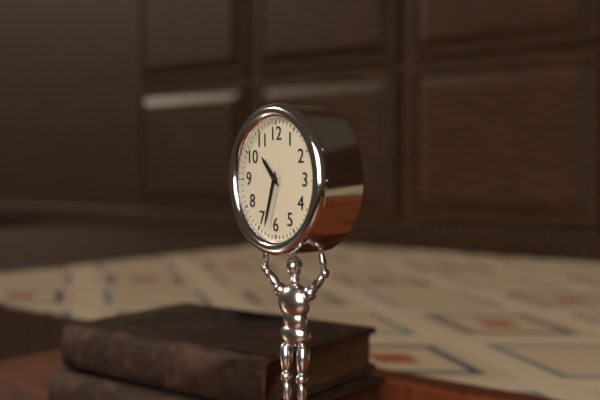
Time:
h=10 m=33
